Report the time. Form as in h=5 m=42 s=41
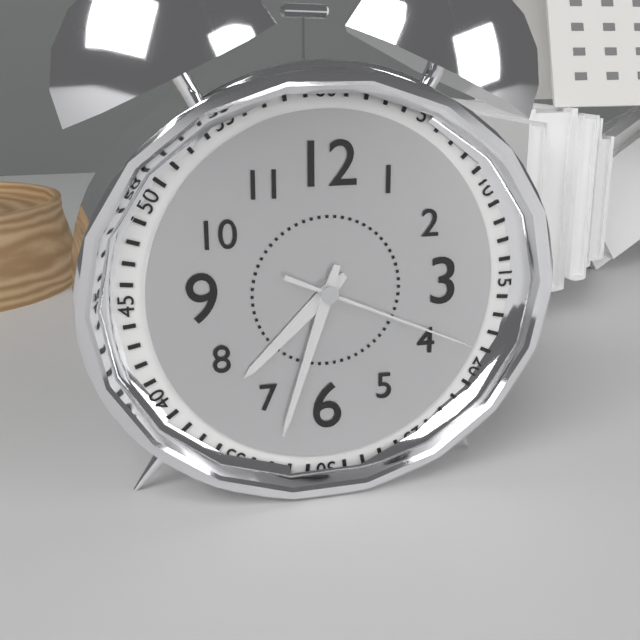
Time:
h=7 m=33 s=19
